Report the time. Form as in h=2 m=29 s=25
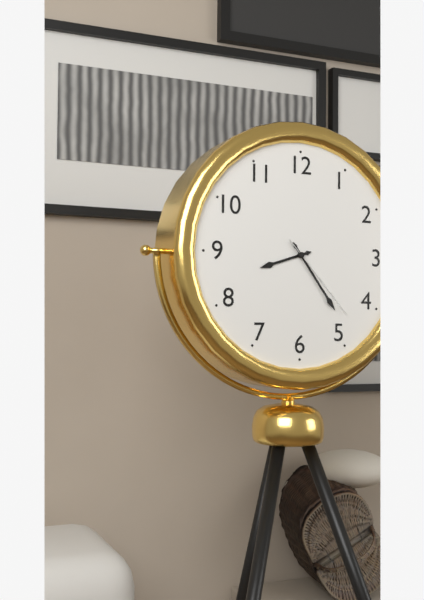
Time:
h=8 m=24 s=23
